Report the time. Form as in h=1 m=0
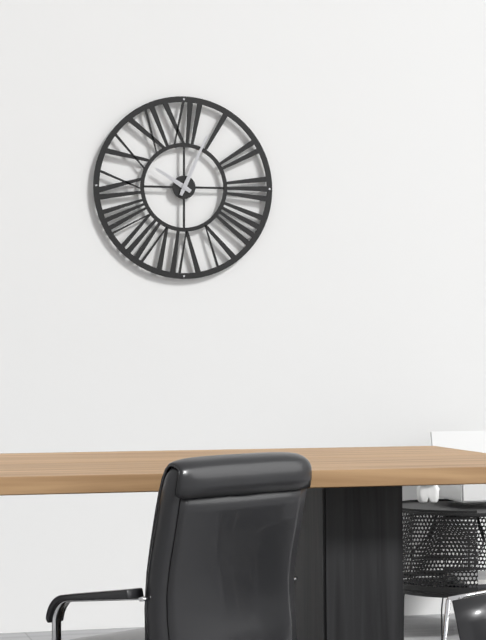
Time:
h=10 m=4
